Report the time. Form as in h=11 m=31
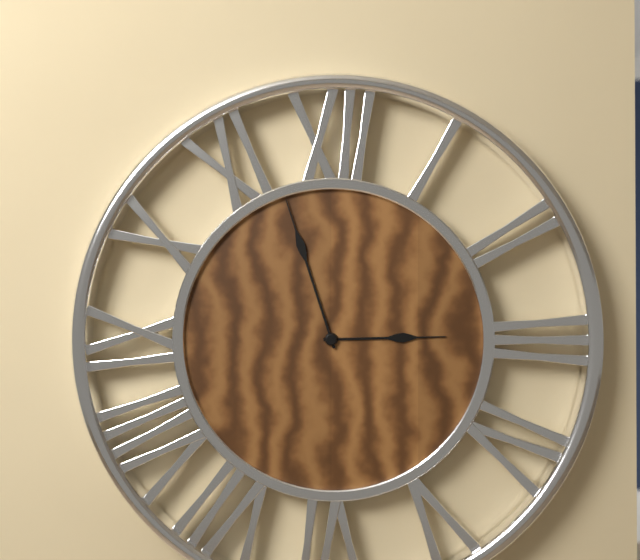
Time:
h=2 m=57
